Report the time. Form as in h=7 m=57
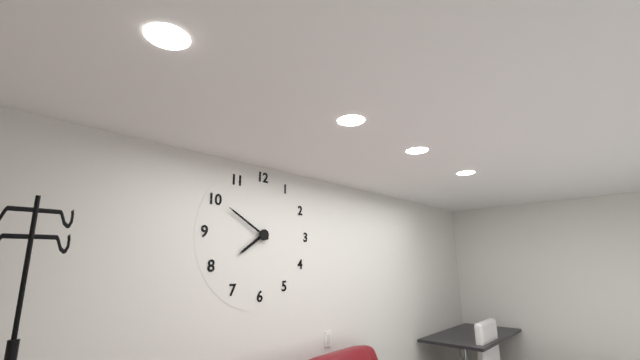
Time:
h=7 m=50
